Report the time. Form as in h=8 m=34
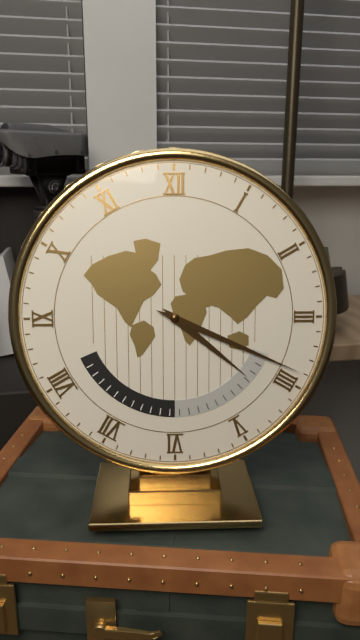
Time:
h=4 m=19
